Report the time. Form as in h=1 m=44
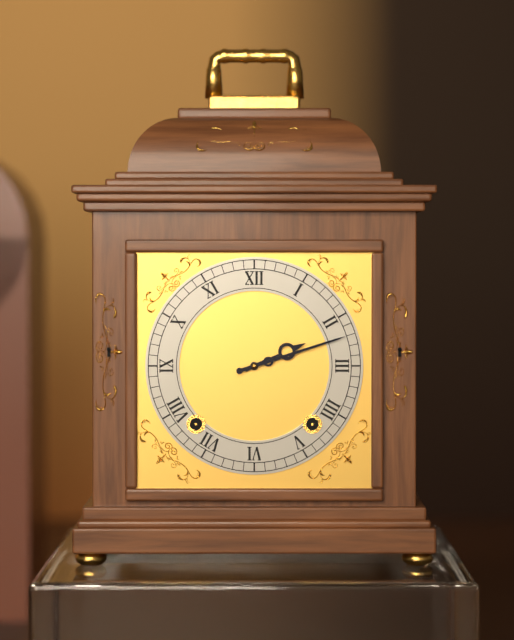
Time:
h=2 m=12
